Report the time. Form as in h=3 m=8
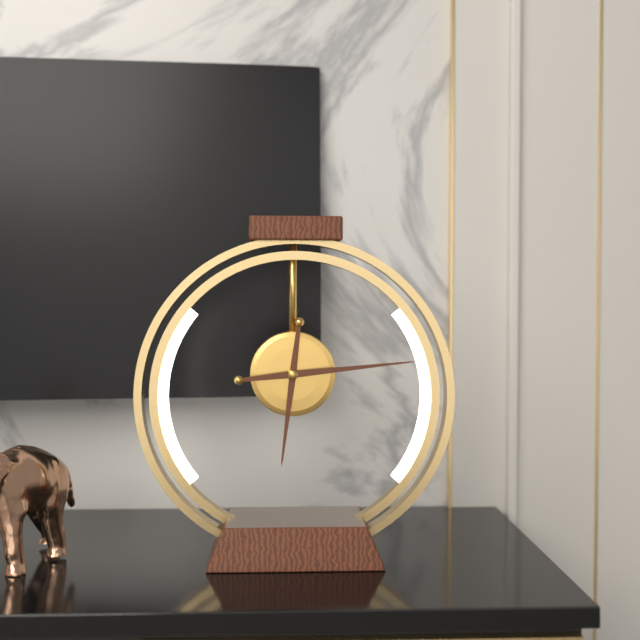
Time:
h=6 m=14
